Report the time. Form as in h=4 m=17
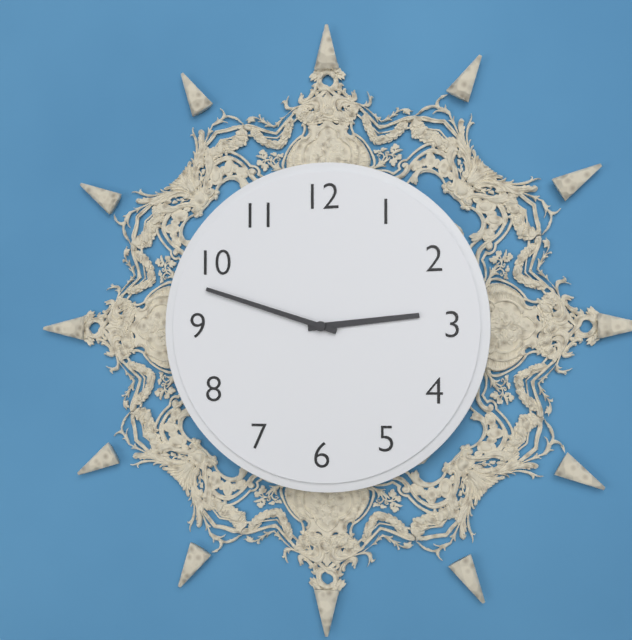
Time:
h=2 m=48
